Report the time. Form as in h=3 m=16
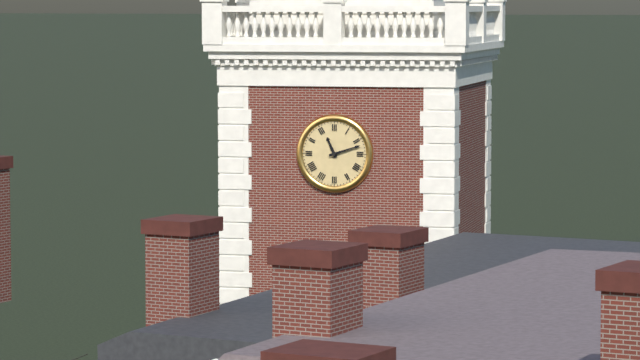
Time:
h=11 m=12
